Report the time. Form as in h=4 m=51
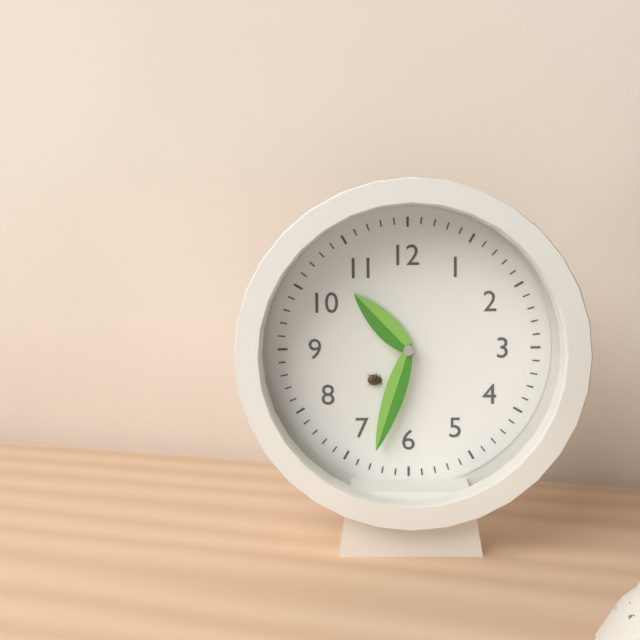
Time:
h=10 m=33
